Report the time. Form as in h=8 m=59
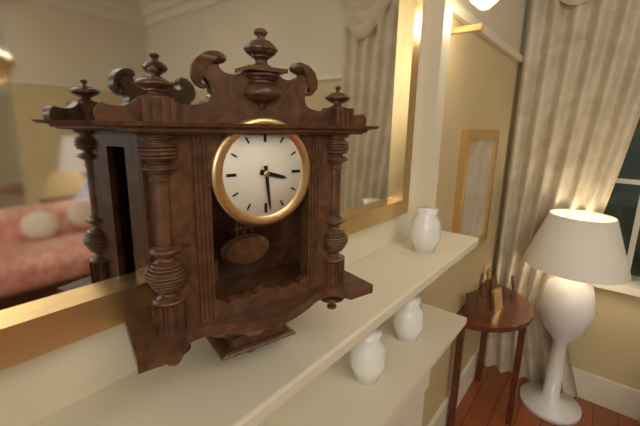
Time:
h=3 m=29
